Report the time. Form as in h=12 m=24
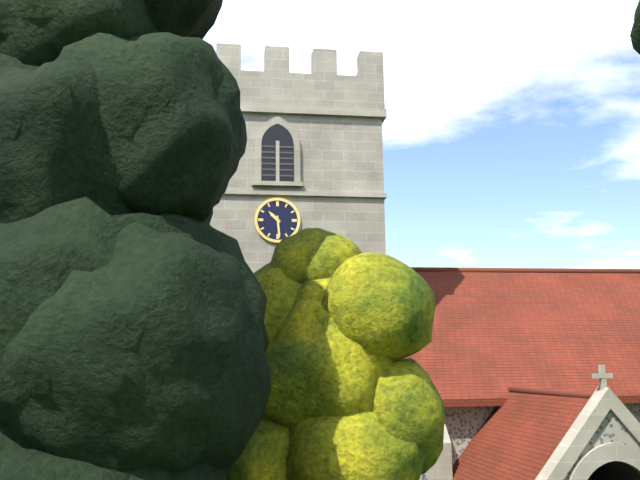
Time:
h=10 m=29
